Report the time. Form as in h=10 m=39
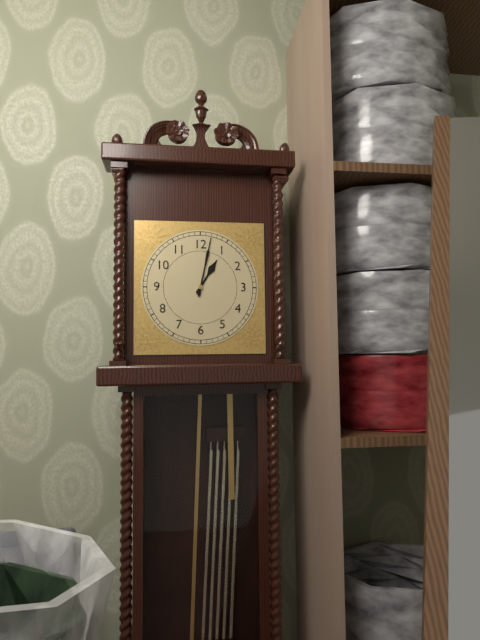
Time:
h=1 m=2
